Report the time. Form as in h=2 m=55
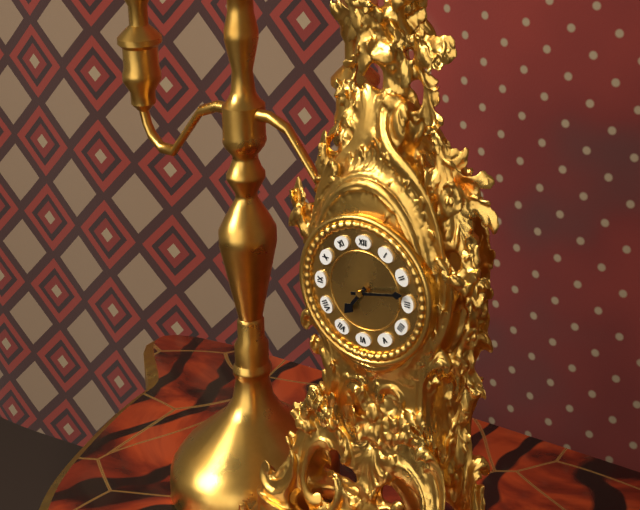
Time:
h=7 m=13
